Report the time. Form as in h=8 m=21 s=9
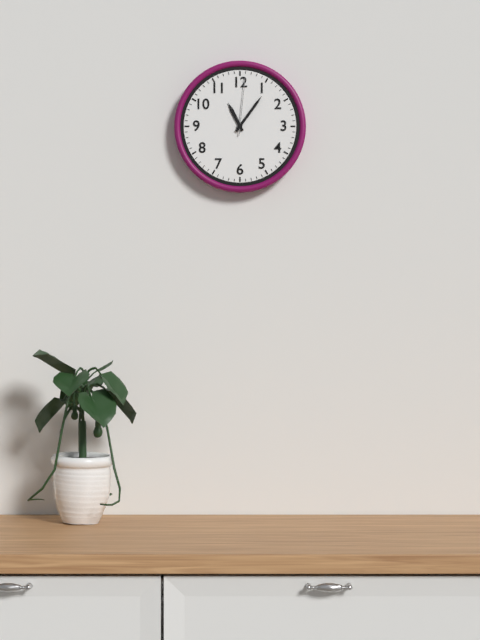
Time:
h=11 m=6 s=1
